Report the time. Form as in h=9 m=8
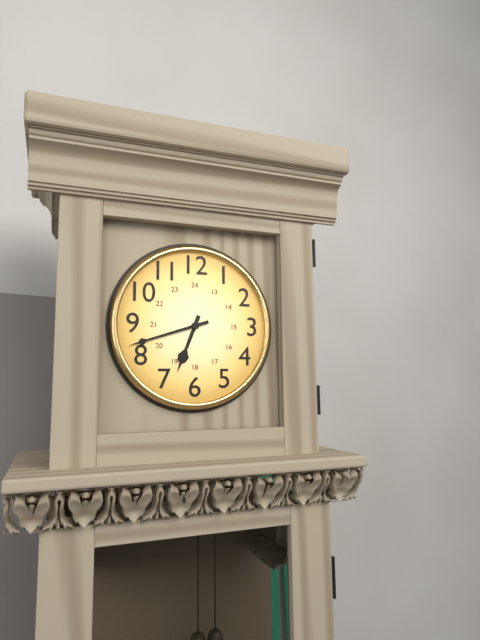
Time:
h=6 m=42
